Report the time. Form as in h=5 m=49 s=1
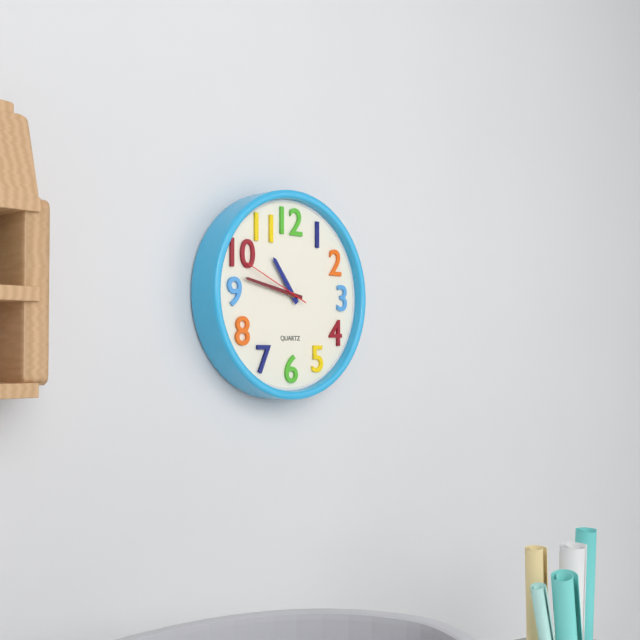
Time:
h=10 m=47 s=49
